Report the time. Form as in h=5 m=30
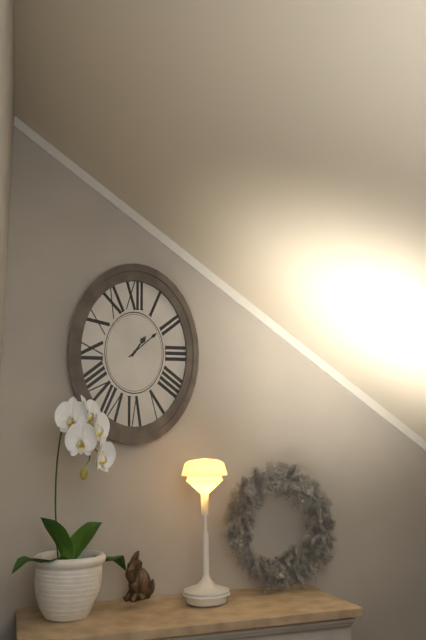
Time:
h=1 m=8
